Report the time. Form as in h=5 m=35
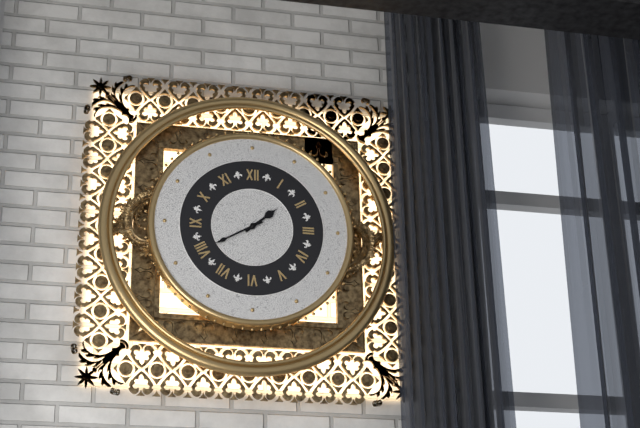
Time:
h=1 m=40
